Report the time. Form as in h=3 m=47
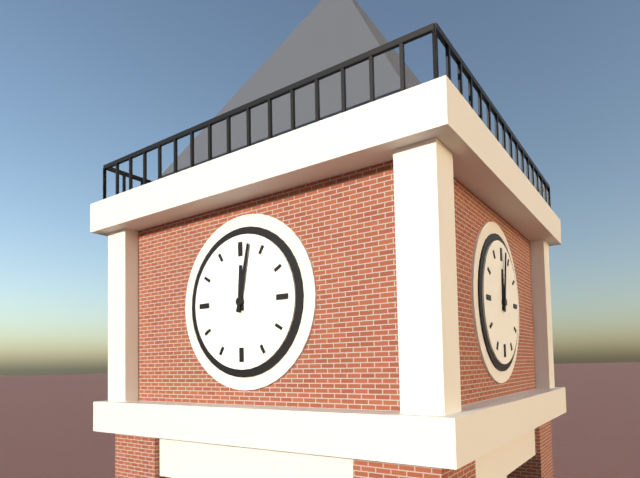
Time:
h=12 m=2
